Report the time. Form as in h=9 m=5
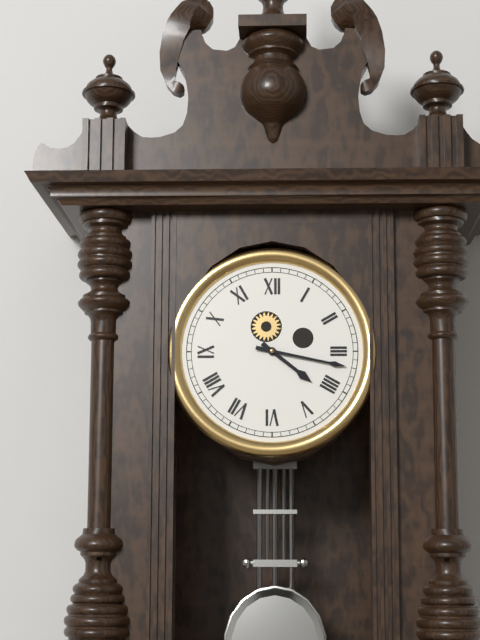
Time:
h=4 m=17
